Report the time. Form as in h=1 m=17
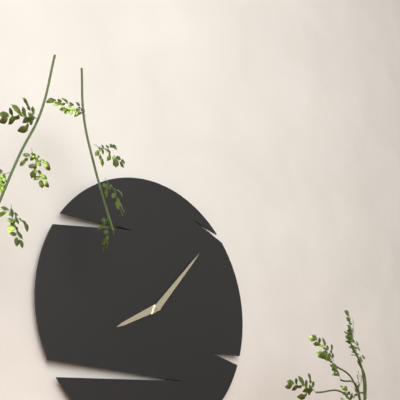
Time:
h=8 m=7
